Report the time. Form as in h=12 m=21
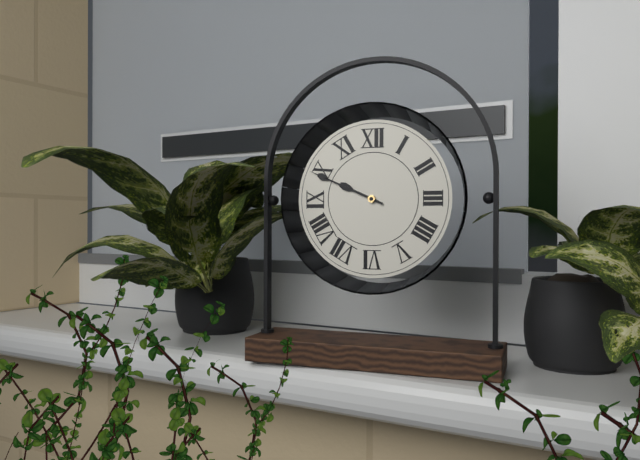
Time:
h=9 m=49
